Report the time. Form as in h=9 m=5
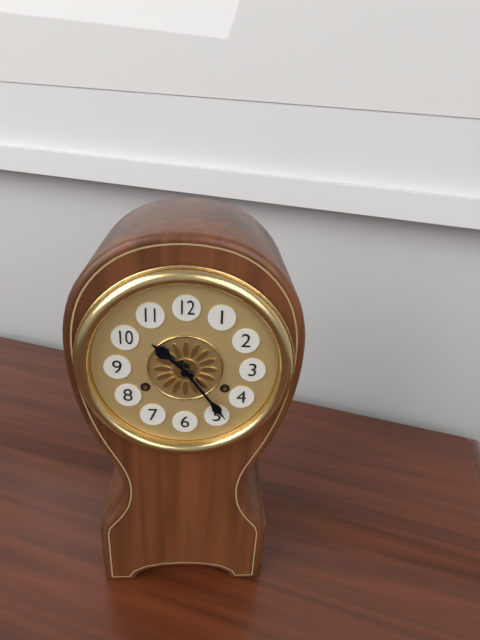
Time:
h=10 m=24
